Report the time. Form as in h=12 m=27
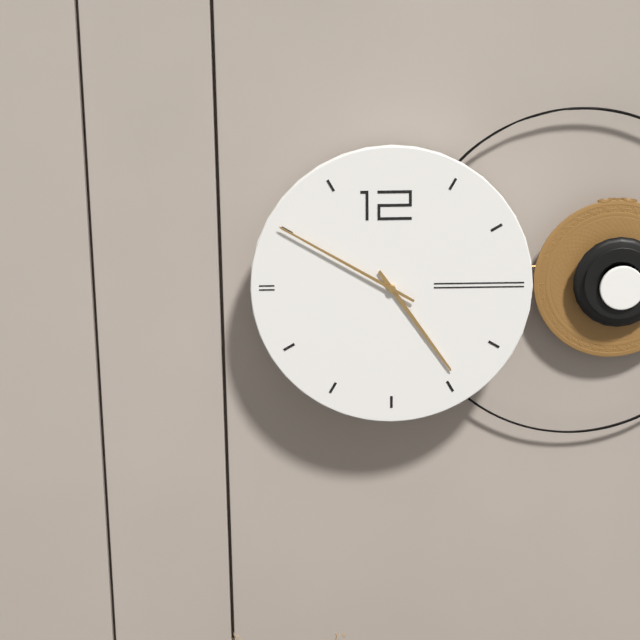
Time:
h=4 m=50
